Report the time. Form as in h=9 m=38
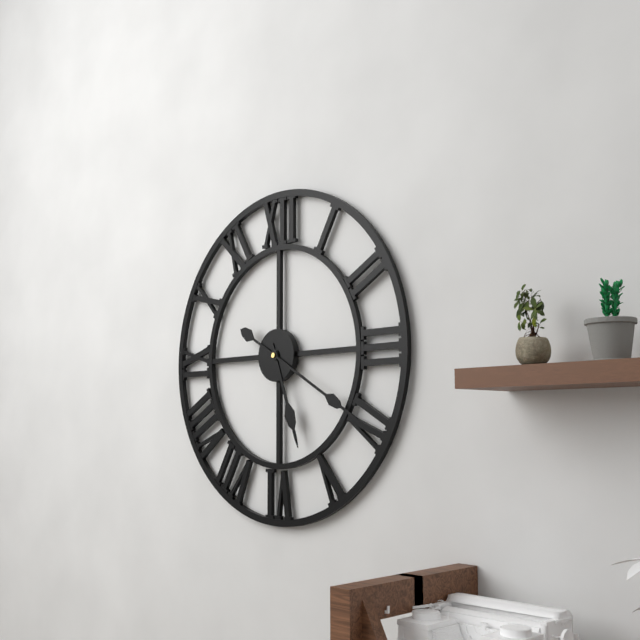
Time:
h=5 m=20
